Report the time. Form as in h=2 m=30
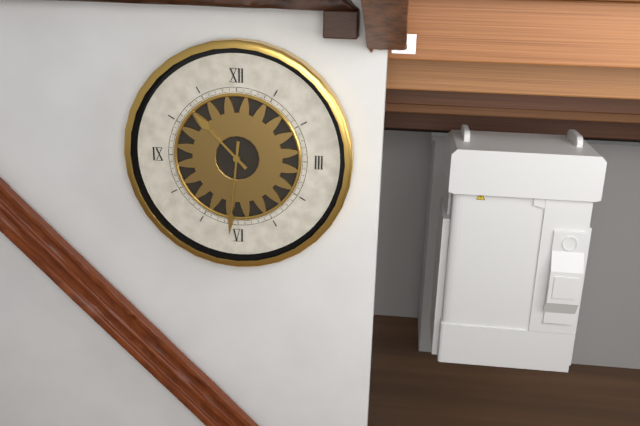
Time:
h=10 m=31
